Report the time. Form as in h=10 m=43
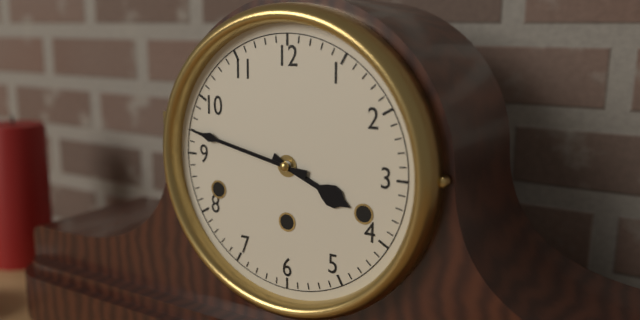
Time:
h=3 m=47
